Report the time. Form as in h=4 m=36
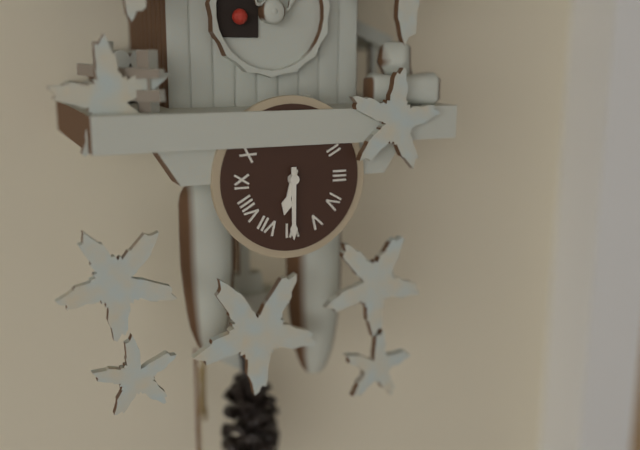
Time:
h=6 m=30
